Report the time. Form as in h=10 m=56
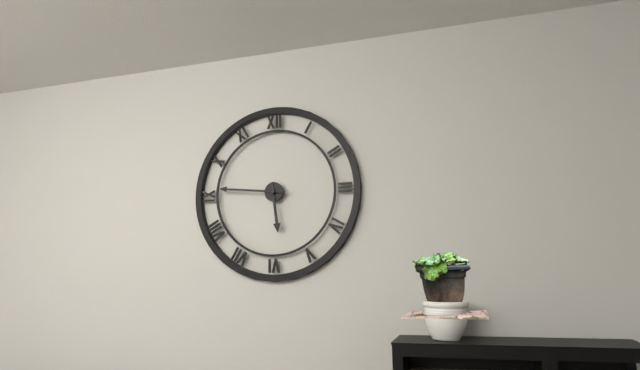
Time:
h=5 m=46
